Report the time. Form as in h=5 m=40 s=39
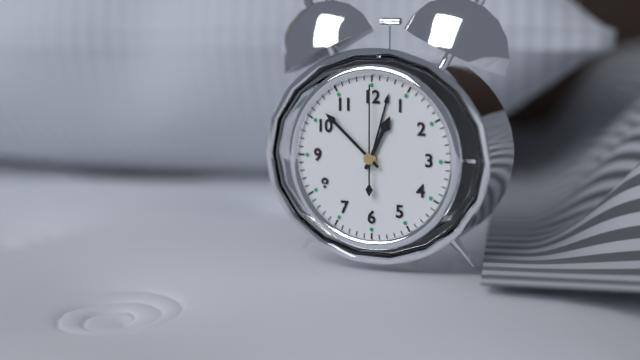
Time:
h=12 m=52 s=0
